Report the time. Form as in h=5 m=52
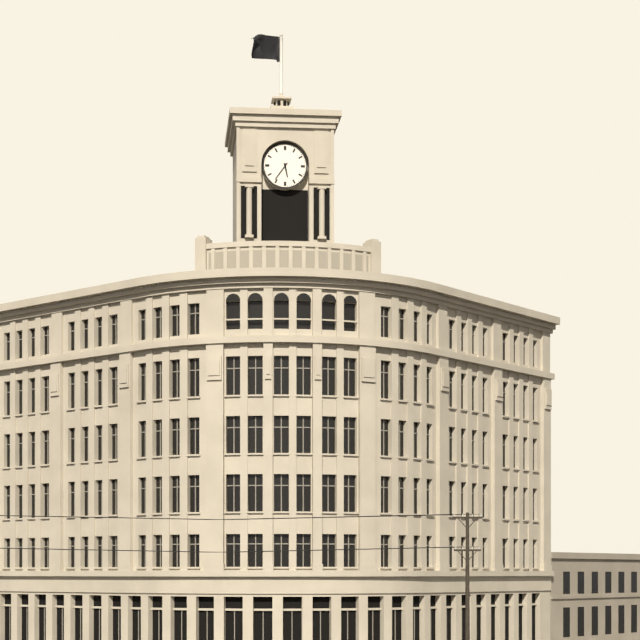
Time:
h=5 m=36
